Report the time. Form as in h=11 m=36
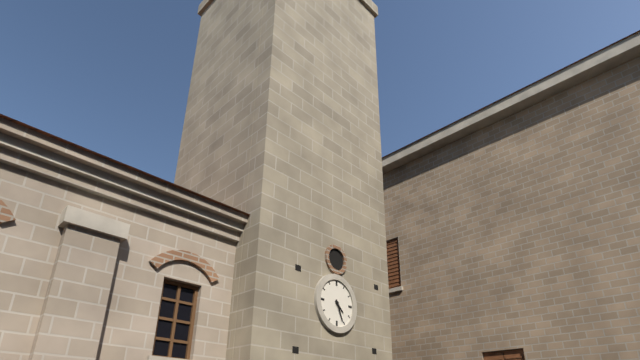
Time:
h=4 m=26
